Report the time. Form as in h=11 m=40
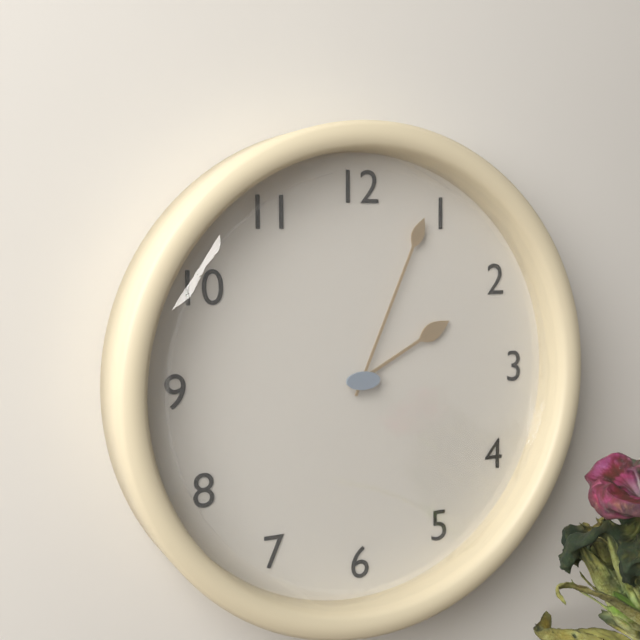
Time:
h=2 m=4
